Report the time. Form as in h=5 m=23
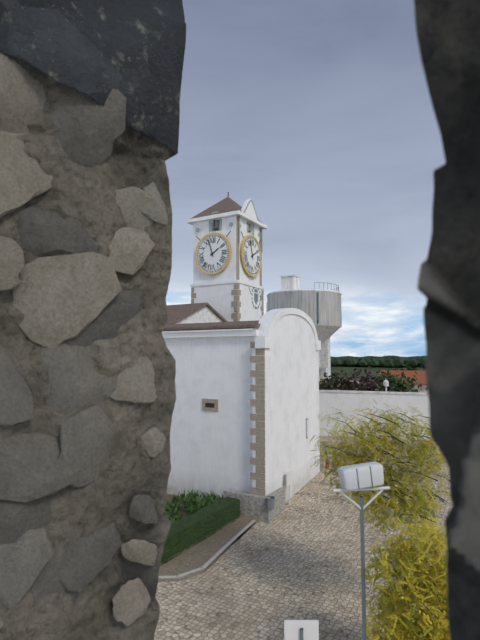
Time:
h=1 m=57
